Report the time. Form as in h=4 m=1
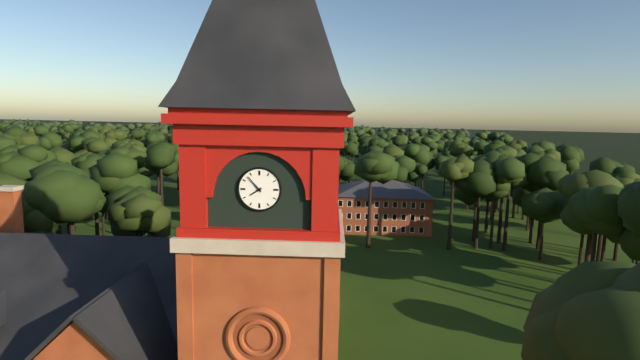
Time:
h=7 m=53
